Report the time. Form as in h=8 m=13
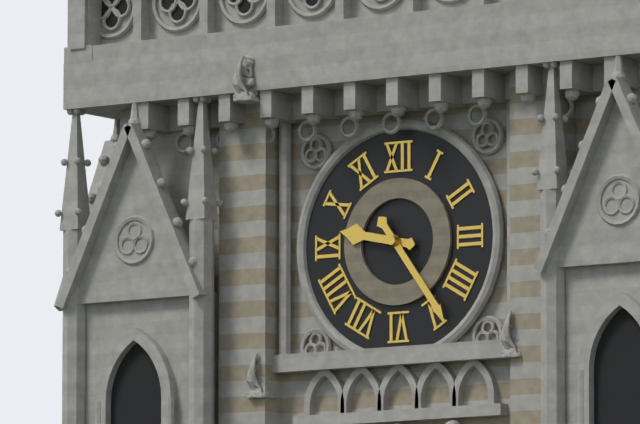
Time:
h=9 m=24
